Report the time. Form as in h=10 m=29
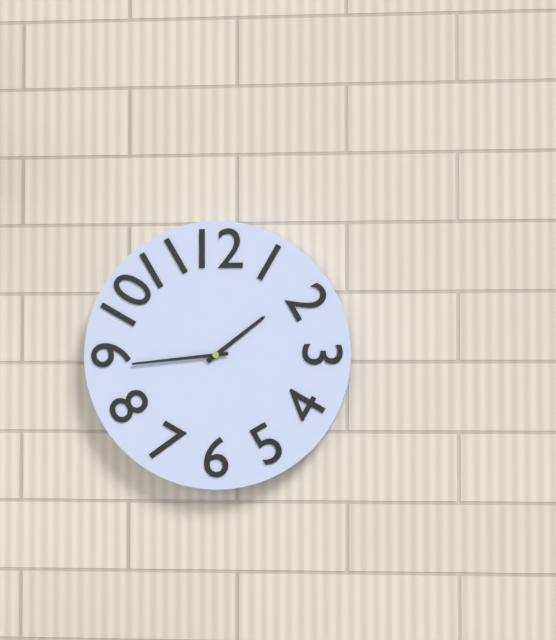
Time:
h=1 m=44
